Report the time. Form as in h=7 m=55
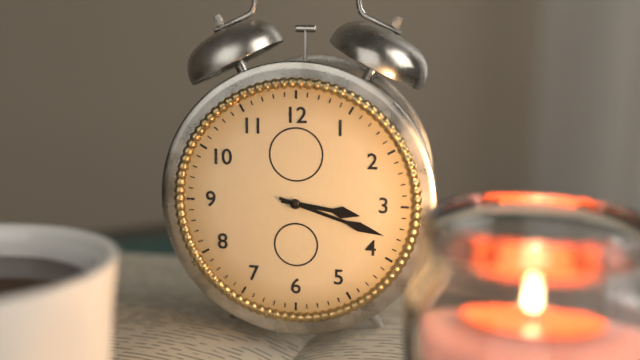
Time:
h=3 m=18
